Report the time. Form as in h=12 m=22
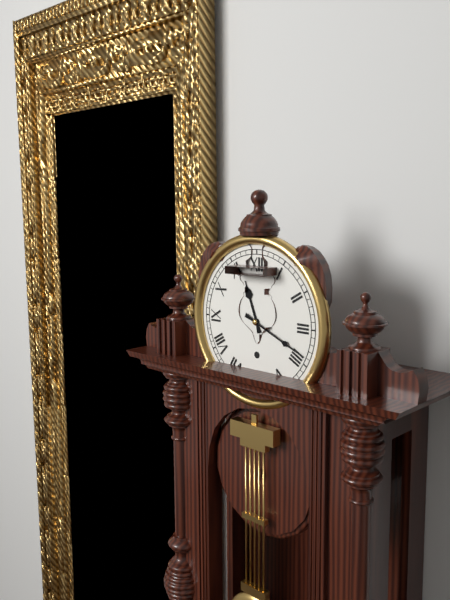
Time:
h=11 m=19
